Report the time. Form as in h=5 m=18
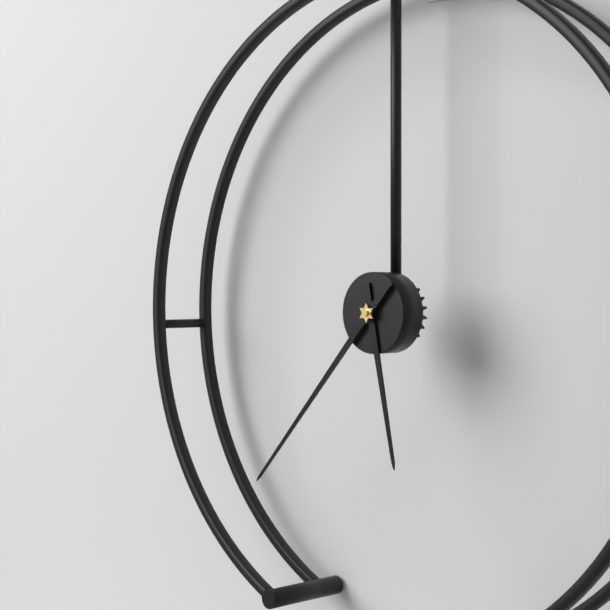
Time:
h=5 m=37
